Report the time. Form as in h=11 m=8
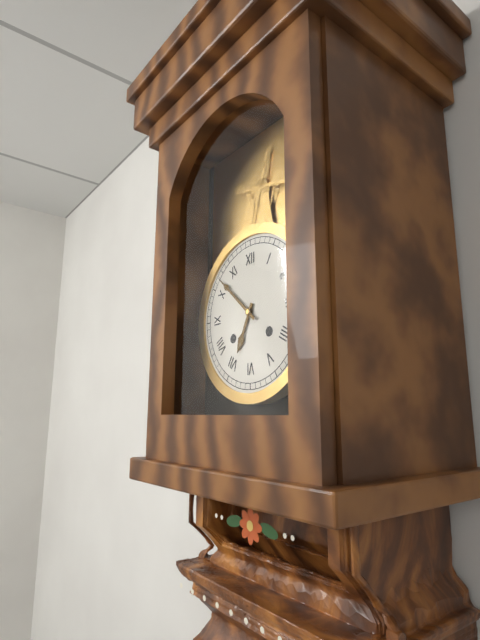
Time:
h=6 m=52
